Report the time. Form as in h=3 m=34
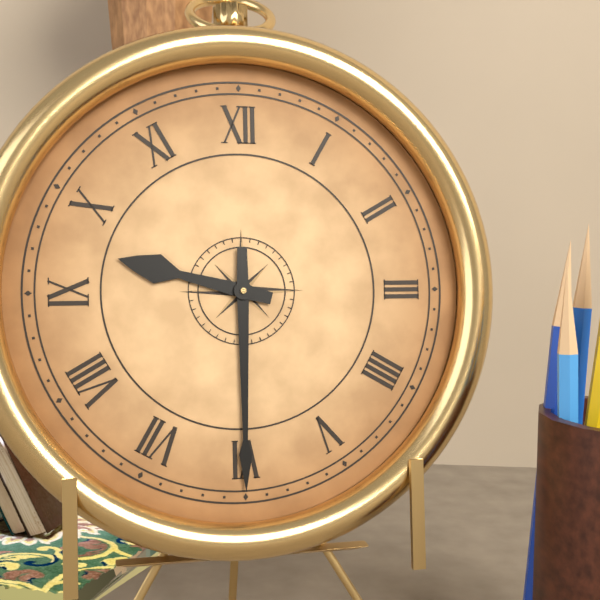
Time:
h=9 m=30
